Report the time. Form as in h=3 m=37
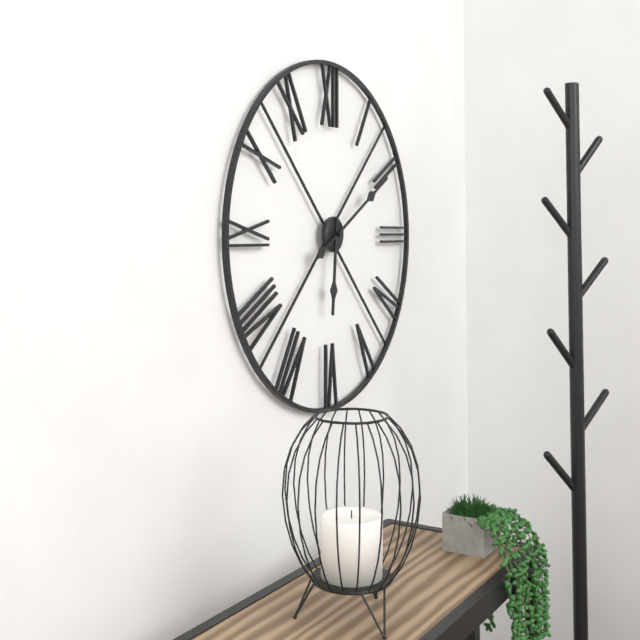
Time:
h=6 m=10
